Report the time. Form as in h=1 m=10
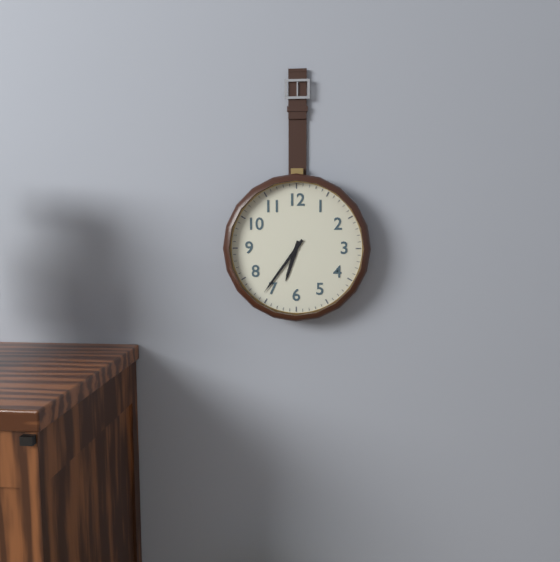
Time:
h=6 m=36
